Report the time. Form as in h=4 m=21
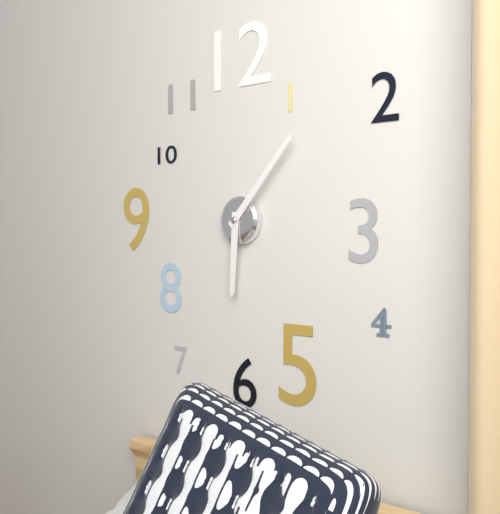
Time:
h=6 m=7
